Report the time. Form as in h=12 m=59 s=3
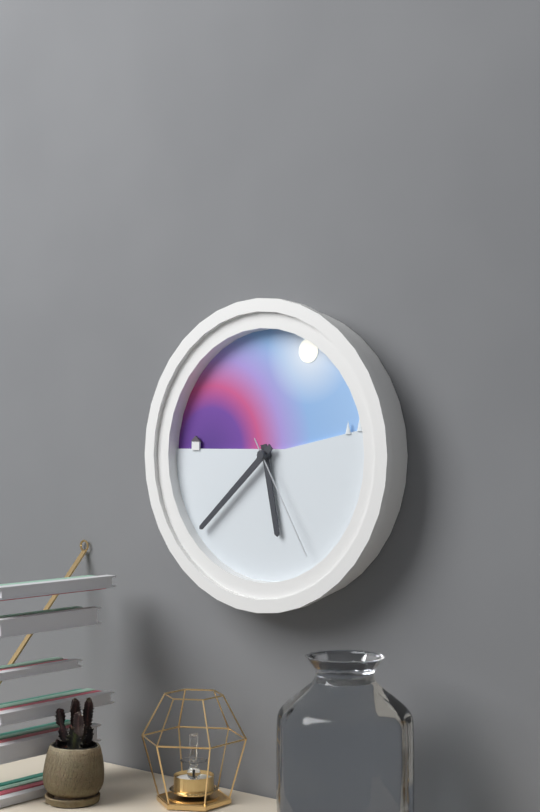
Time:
h=5 m=38 s=25
